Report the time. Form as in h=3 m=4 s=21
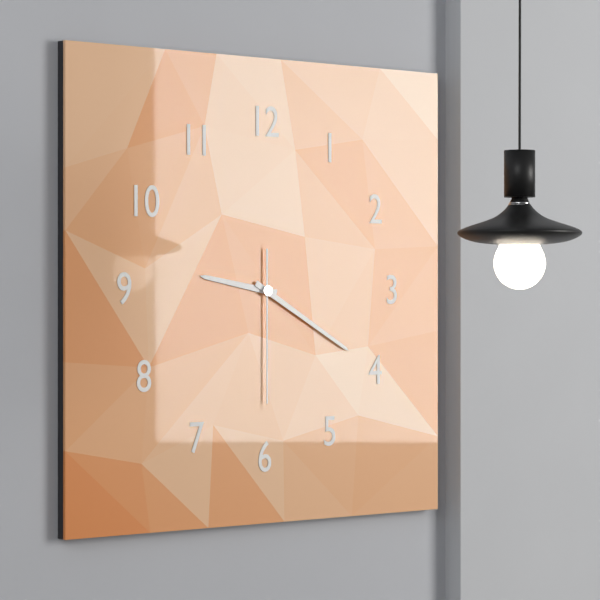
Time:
h=9 m=20 s=30
